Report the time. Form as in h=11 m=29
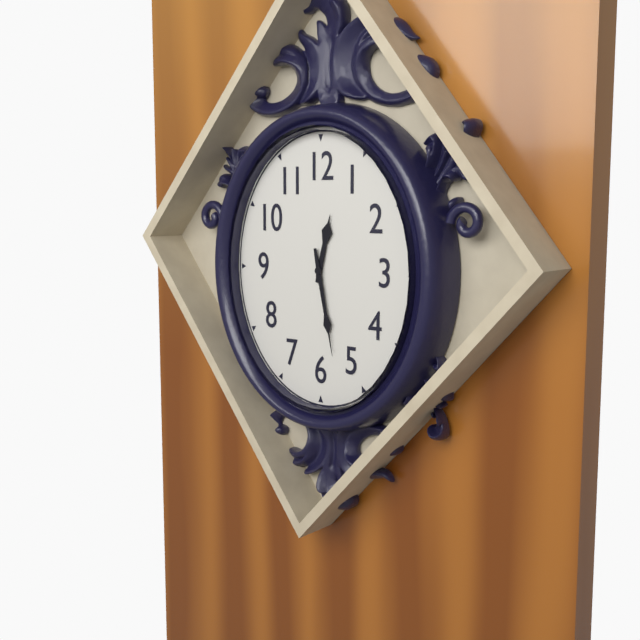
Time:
h=12 m=28
